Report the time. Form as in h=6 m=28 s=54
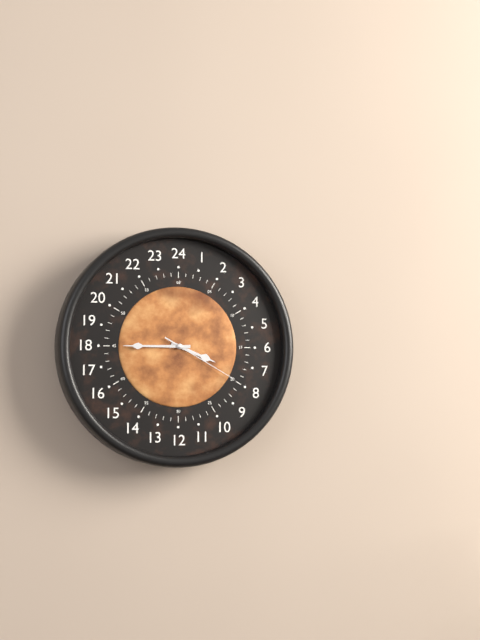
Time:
h=3 m=45 s=20
